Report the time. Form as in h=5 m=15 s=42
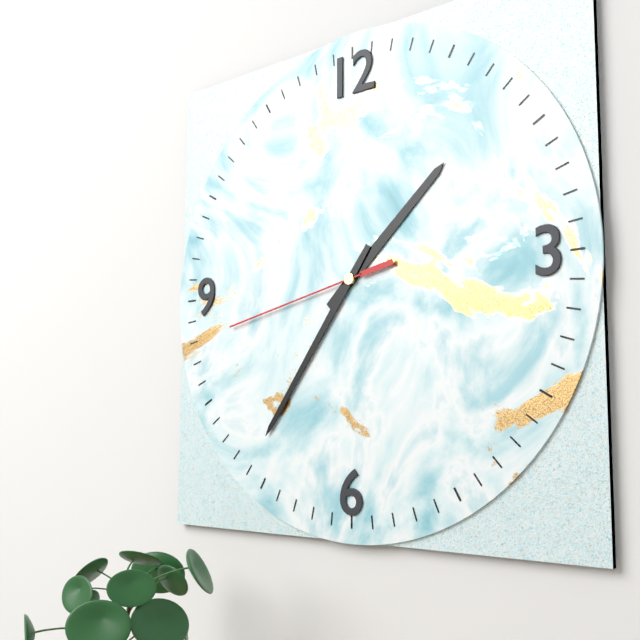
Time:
h=1 m=36 s=43
